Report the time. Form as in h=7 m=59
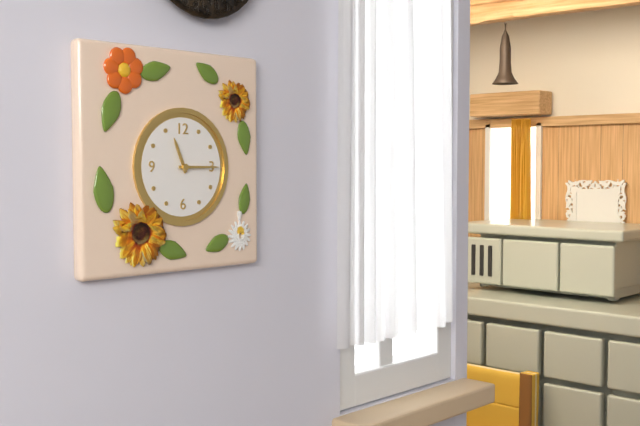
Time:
h=11 m=15
